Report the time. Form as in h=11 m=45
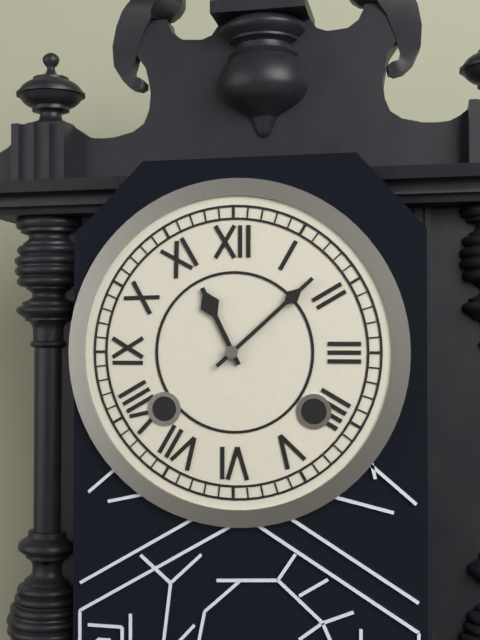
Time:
h=11 m=8
